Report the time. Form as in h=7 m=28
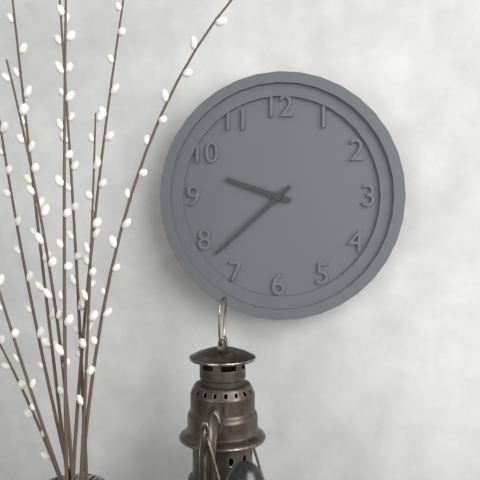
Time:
h=9 m=38
